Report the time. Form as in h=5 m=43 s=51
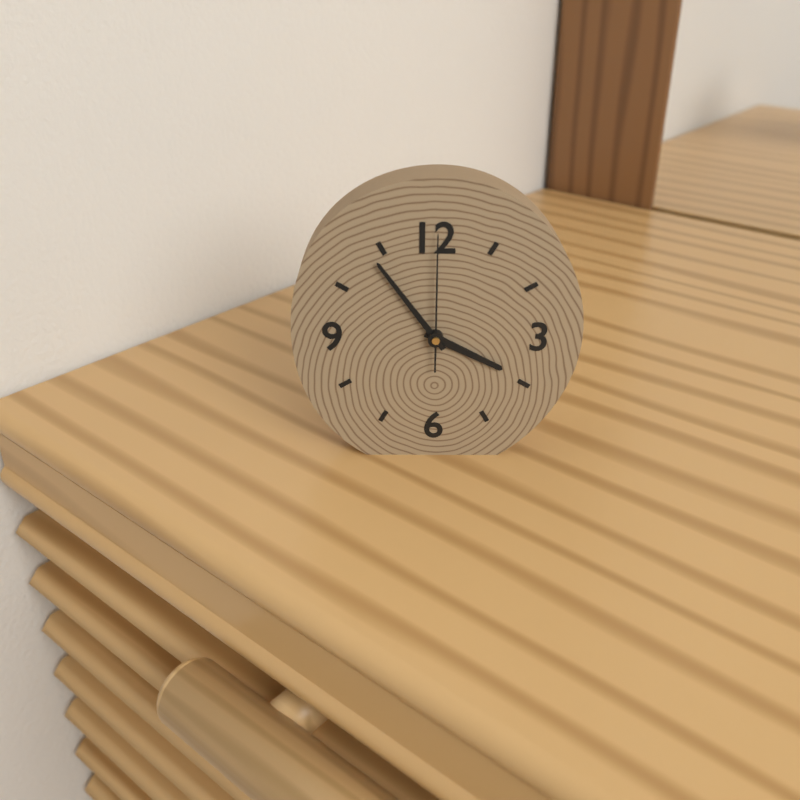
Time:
h=3 m=54 s=0
